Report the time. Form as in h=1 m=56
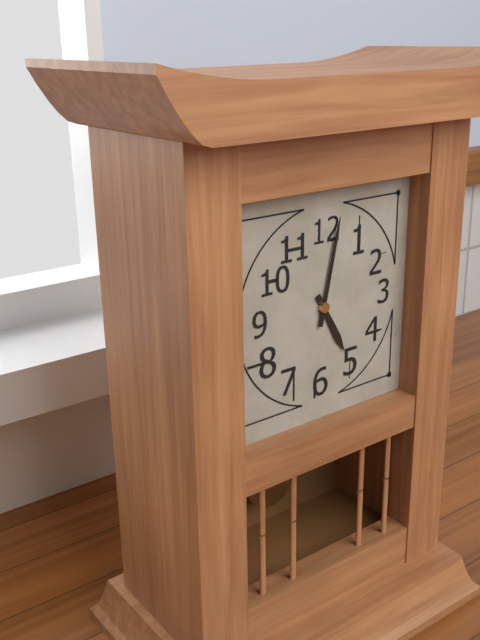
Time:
h=5 m=2
